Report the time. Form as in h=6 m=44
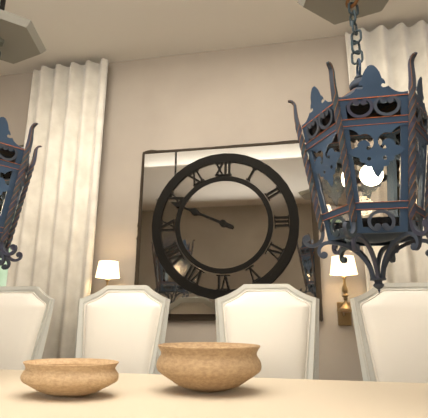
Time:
h=9 m=49
